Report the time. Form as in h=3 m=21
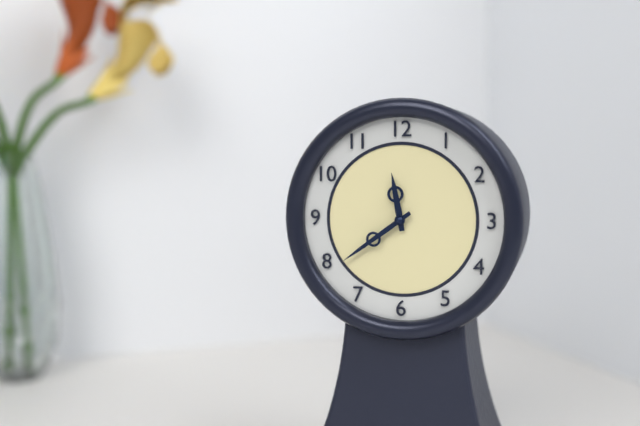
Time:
h=11 m=39
